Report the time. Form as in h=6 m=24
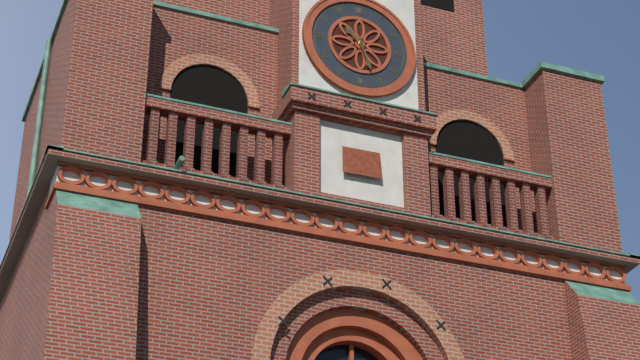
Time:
h=10 m=27
